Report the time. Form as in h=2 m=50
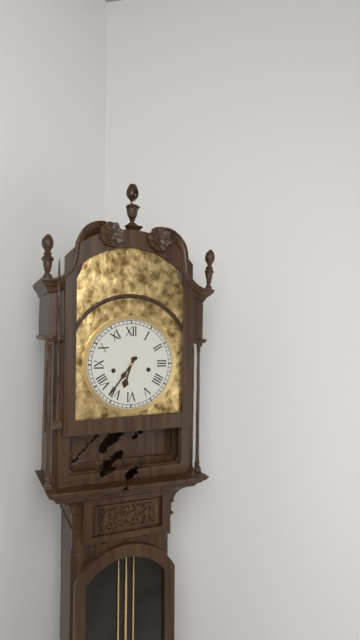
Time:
h=6 m=36
